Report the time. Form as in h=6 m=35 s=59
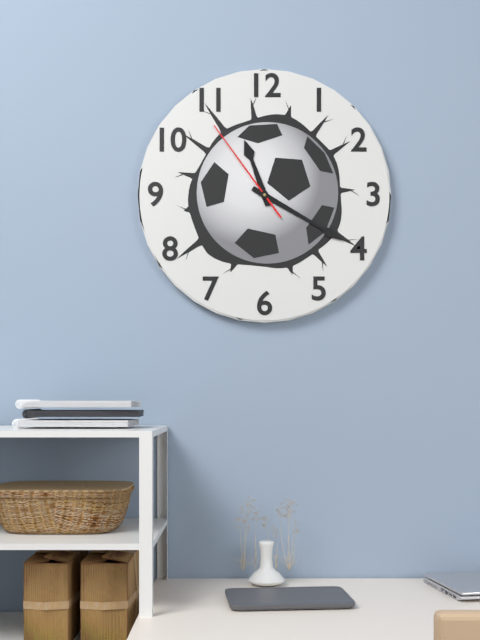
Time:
h=11 m=20 s=54
